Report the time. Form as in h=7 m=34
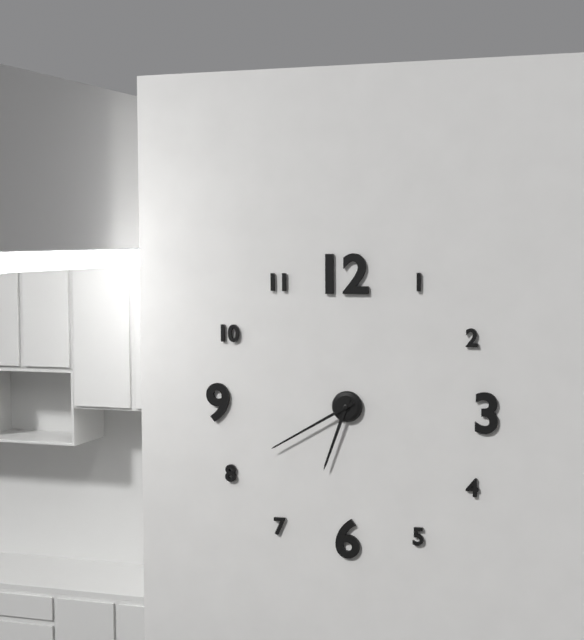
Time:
h=6 m=40
